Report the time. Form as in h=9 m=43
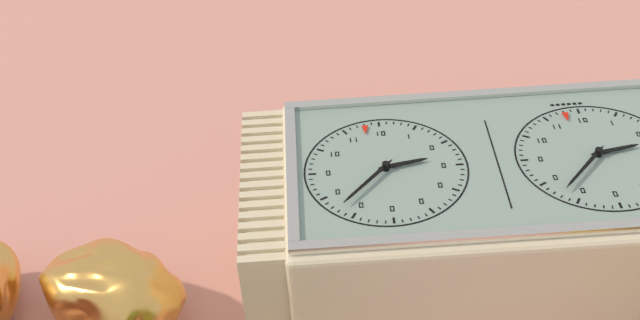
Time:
h=2 m=37
